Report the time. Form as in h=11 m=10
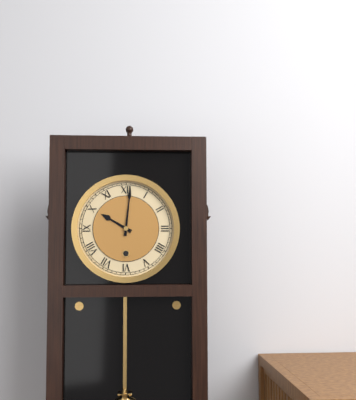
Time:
h=10 m=1
